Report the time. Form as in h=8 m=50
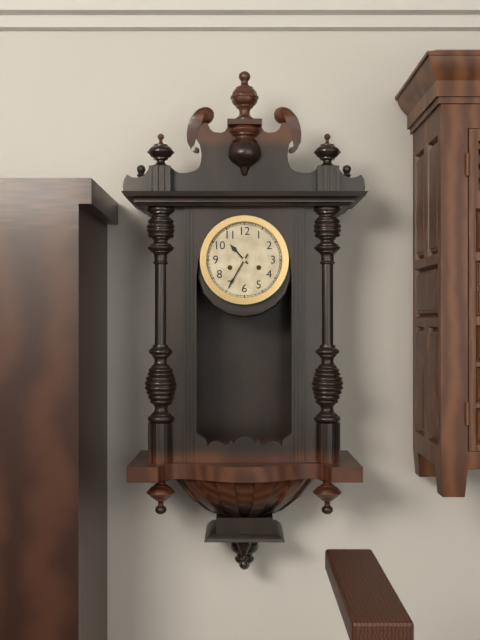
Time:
h=10 m=35
